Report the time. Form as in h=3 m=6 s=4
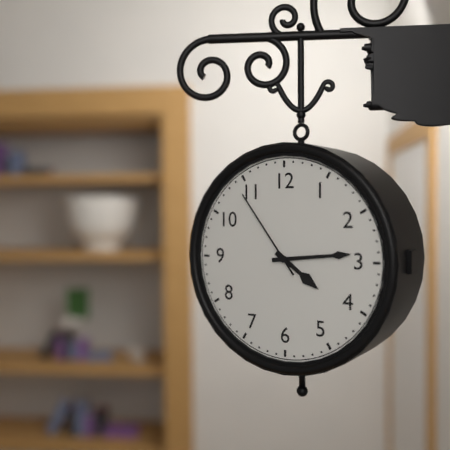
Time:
h=4 m=14 s=54
